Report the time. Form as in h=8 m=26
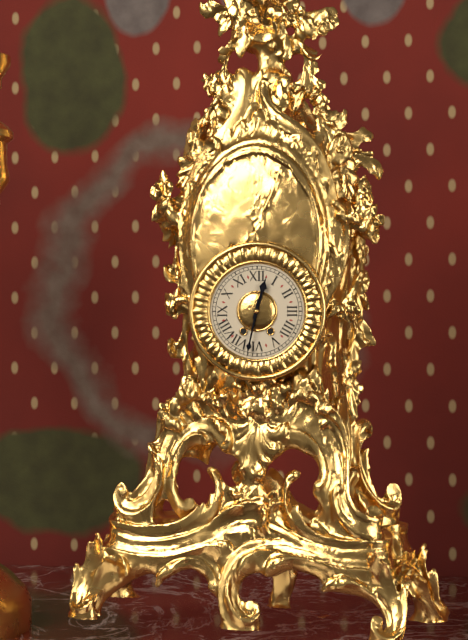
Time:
h=12 m=32
